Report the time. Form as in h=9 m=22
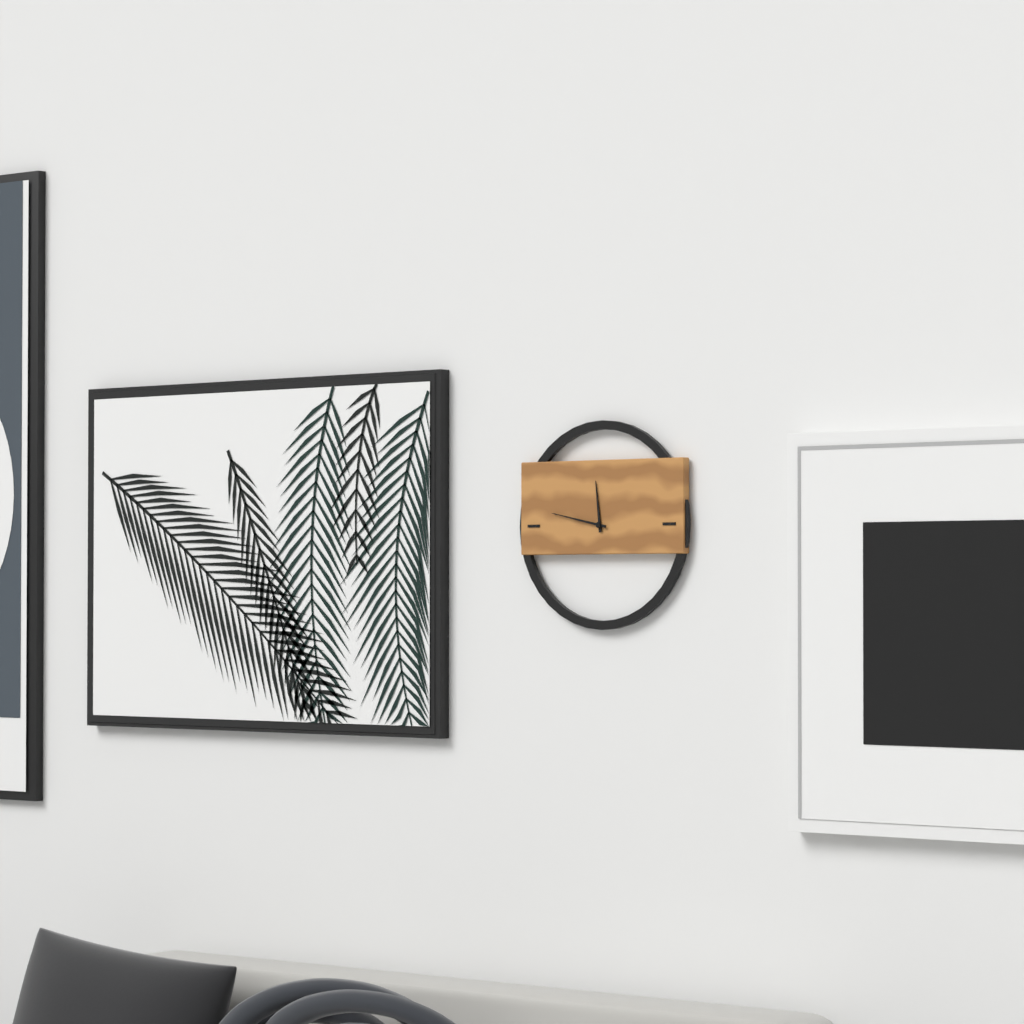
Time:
h=11 m=47
